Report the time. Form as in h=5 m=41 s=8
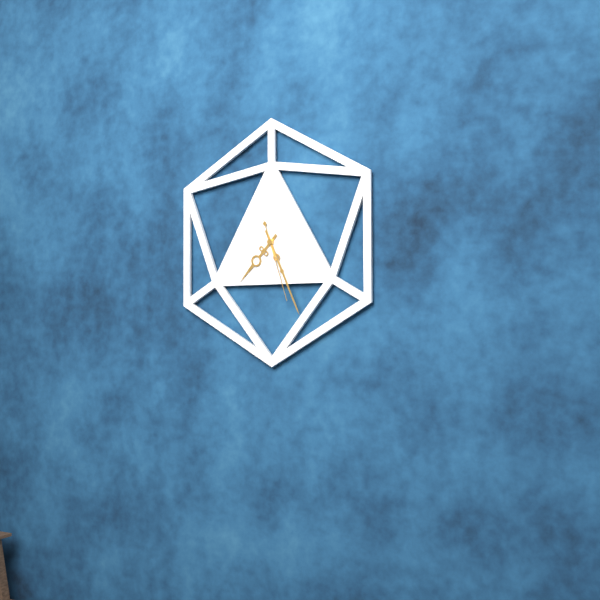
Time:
h=7 m=26 s=27
